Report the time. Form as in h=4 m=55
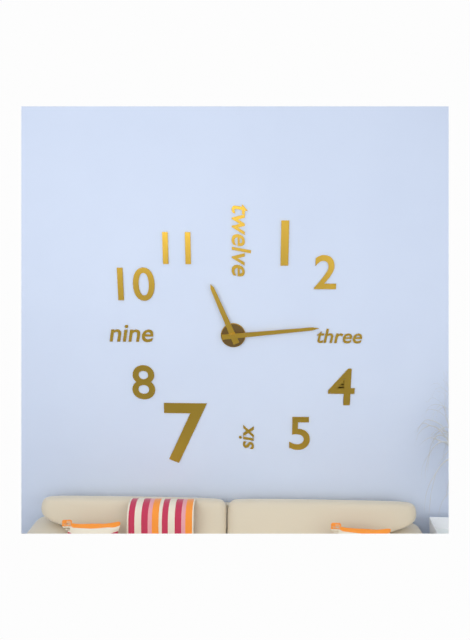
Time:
h=11 m=14
